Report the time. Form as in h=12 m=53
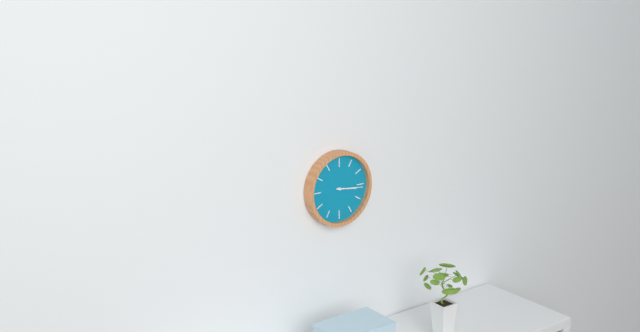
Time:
h=3 m=16
